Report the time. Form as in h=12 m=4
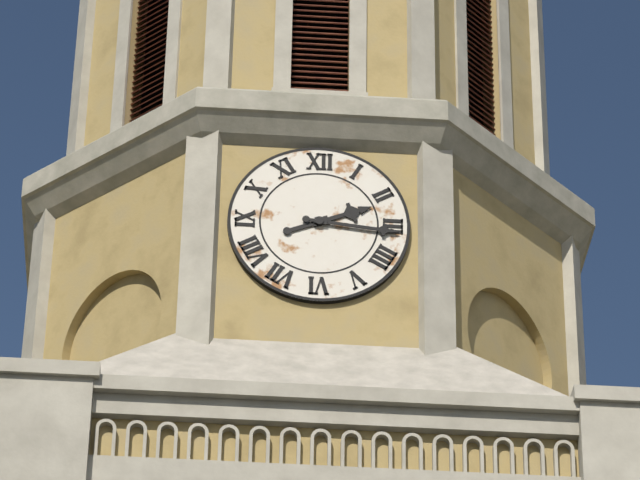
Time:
h=2 m=16
